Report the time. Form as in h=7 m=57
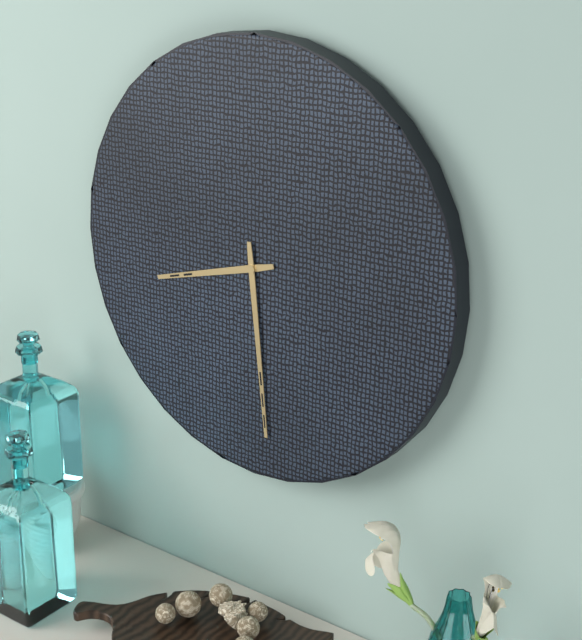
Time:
h=8 m=29
